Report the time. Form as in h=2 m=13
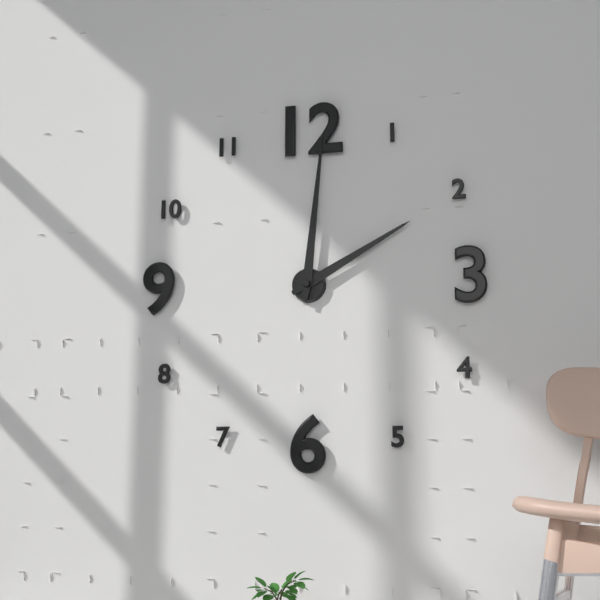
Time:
h=2 m=1
